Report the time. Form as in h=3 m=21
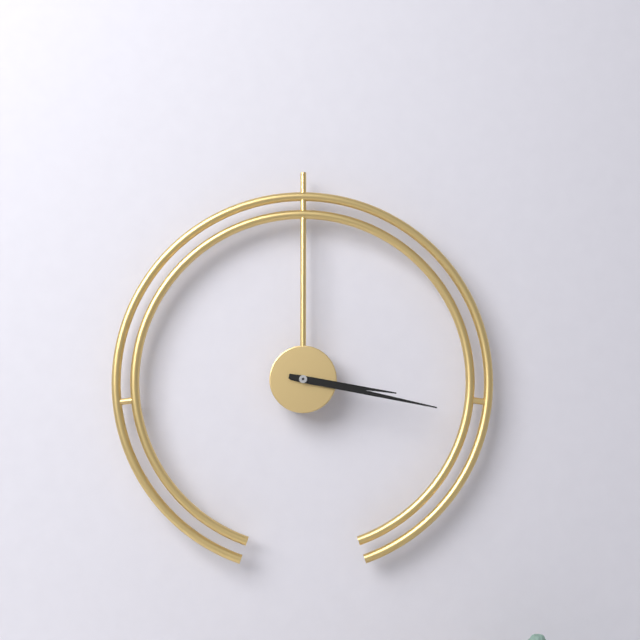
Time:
h=3 m=17
